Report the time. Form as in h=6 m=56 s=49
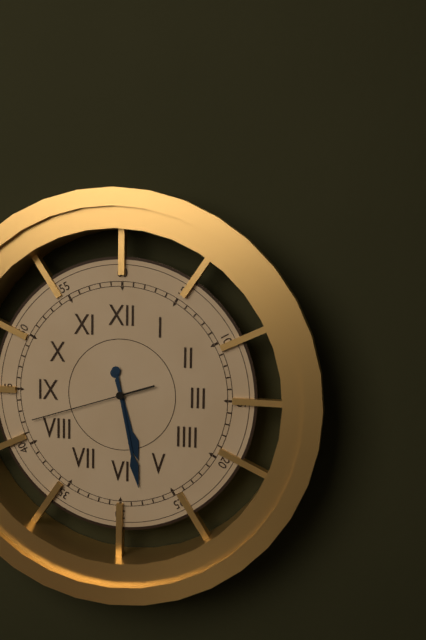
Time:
h=5 m=28 s=42
